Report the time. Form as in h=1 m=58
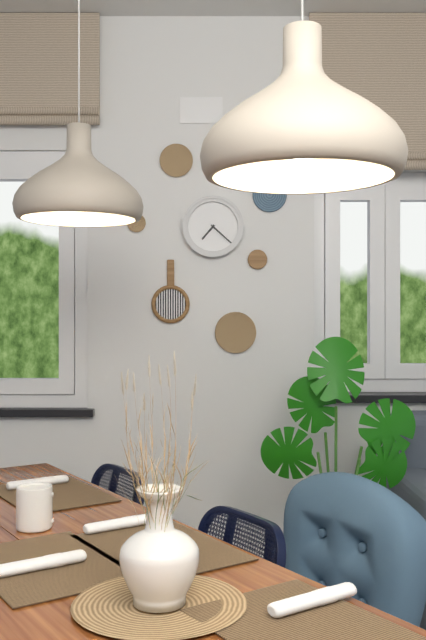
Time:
h=7 m=22
